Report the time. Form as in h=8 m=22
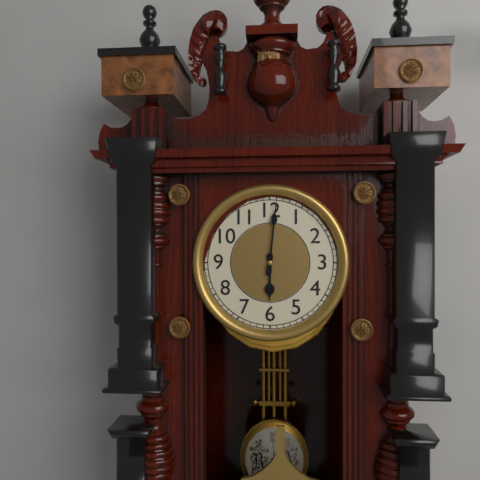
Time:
h=6 m=1
